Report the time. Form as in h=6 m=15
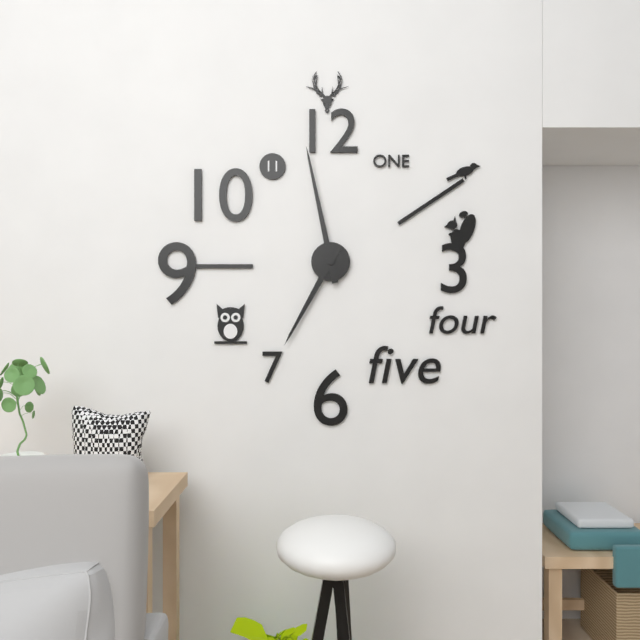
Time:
h=6 m=58
